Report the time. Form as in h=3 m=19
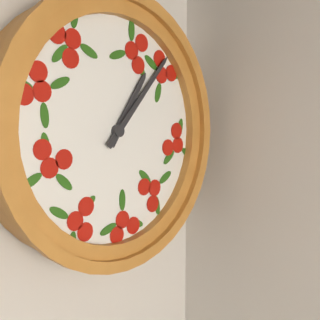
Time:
h=1 m=7
